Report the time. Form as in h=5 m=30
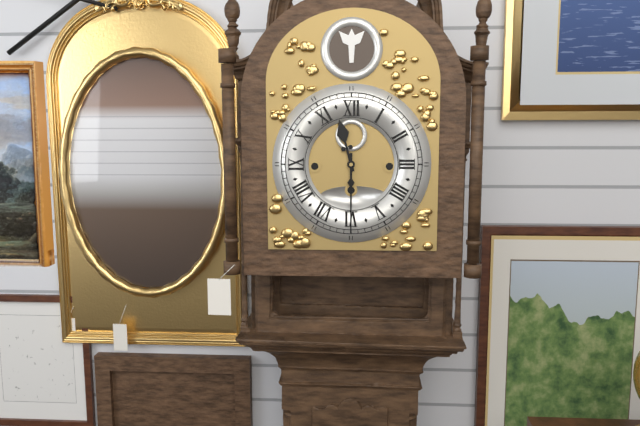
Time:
h=11 m=30
